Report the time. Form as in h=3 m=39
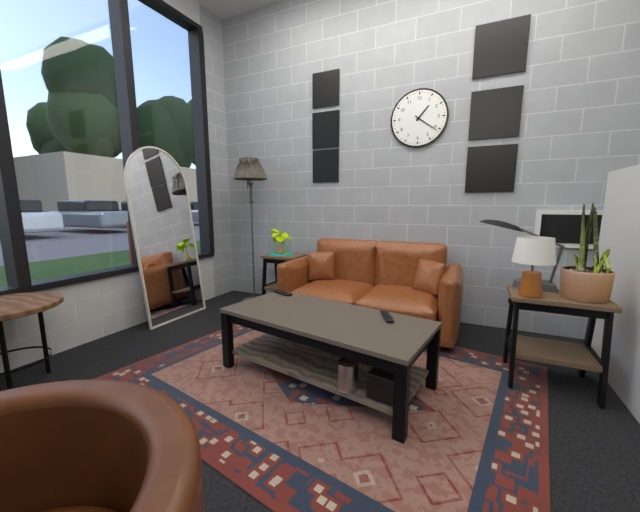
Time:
h=1 m=21
